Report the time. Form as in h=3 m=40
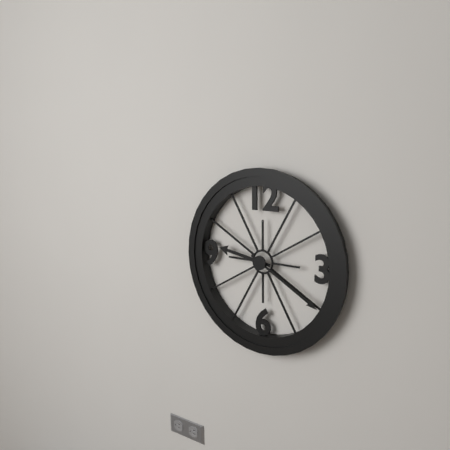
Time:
h=9 m=20
